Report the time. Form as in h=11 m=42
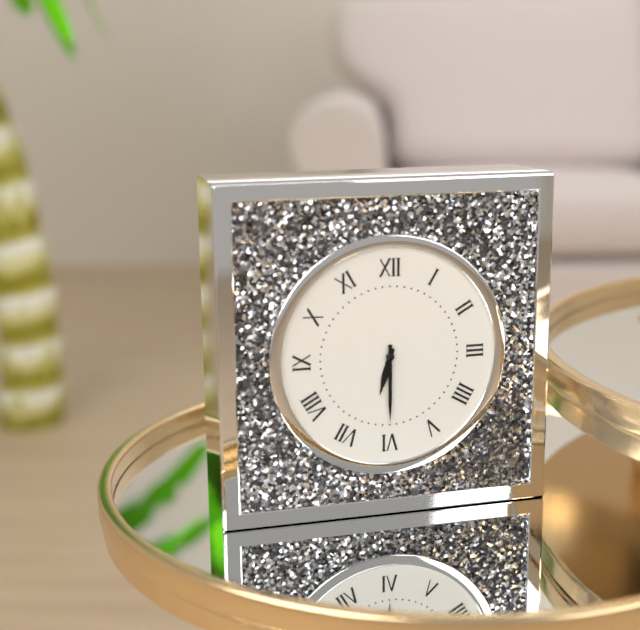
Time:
h=6 m=30
